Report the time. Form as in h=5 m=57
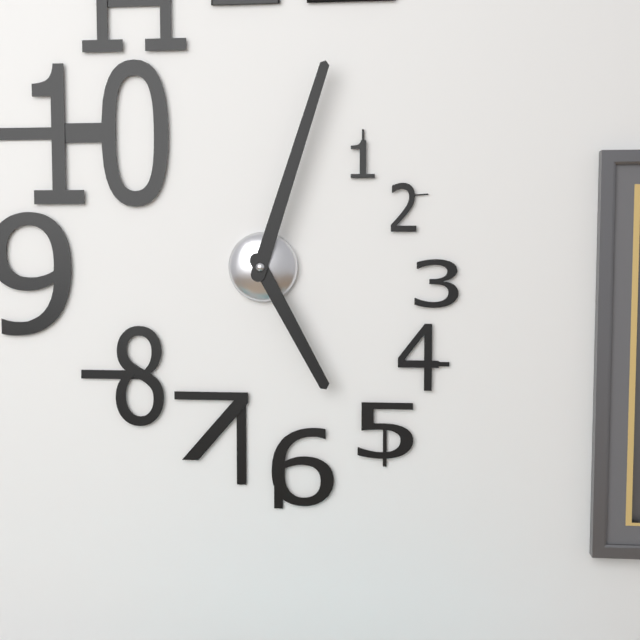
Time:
h=5 m=3
